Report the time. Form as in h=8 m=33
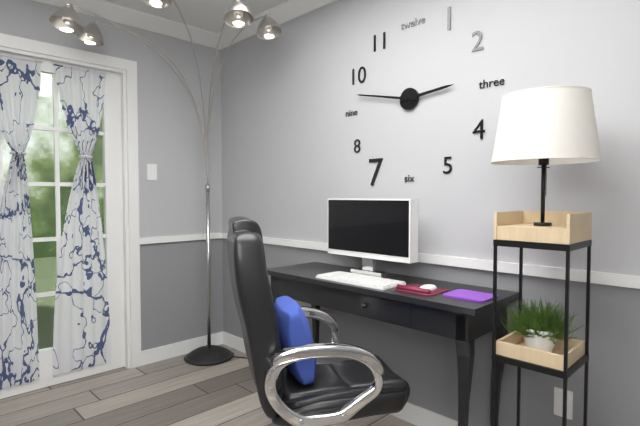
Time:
h=2 m=47
